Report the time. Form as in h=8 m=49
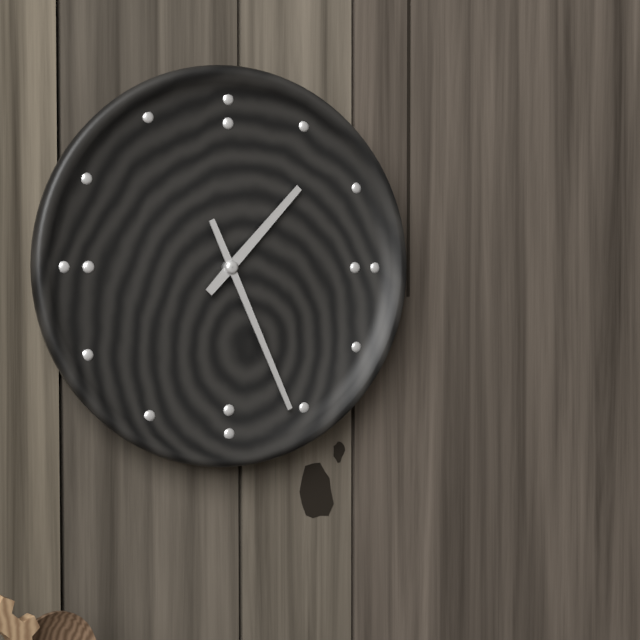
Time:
h=1 m=26
